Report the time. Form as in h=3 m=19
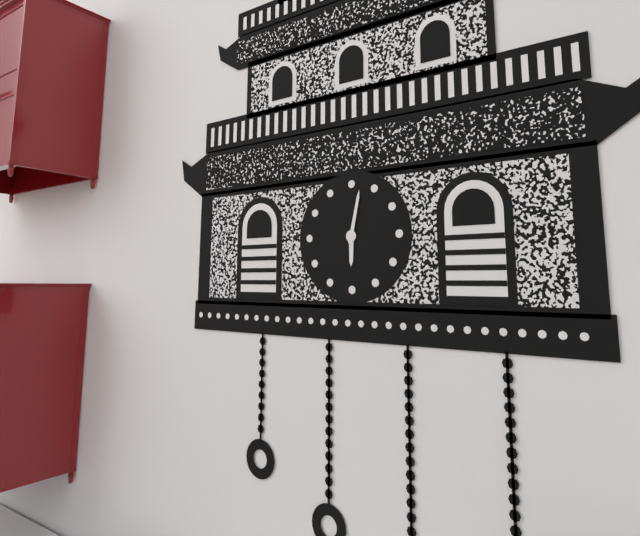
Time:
h=6 m=2
